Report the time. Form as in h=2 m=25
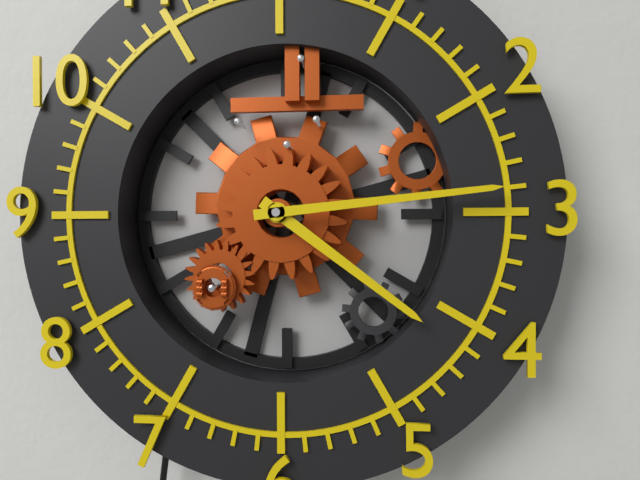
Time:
h=4 m=14
